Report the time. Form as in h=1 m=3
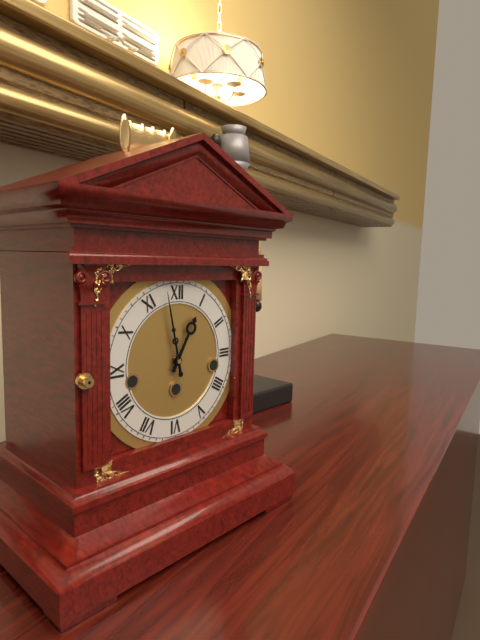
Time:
h=12 m=58
